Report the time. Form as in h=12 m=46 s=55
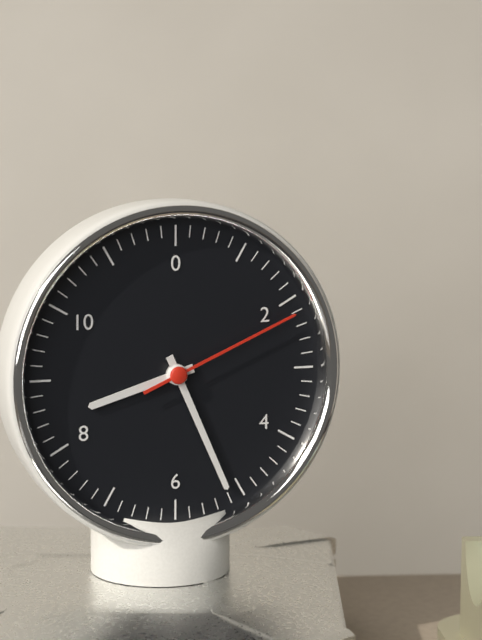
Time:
h=8 m=26 s=11
